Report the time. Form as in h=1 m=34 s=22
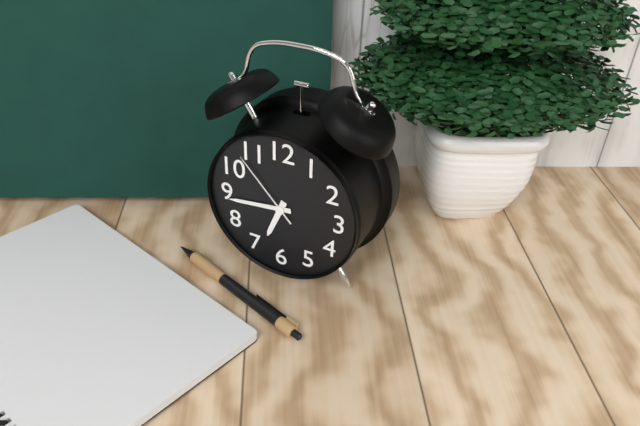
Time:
h=6 m=44 s=53
